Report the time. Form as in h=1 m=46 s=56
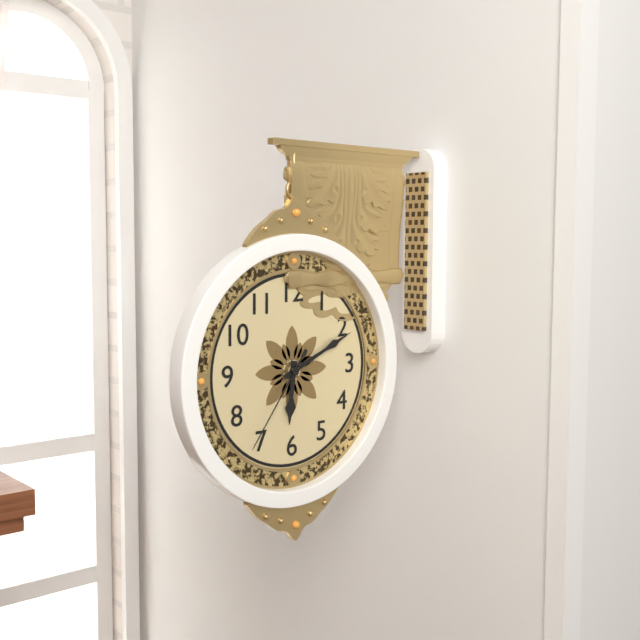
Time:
h=6 m=11 s=36
